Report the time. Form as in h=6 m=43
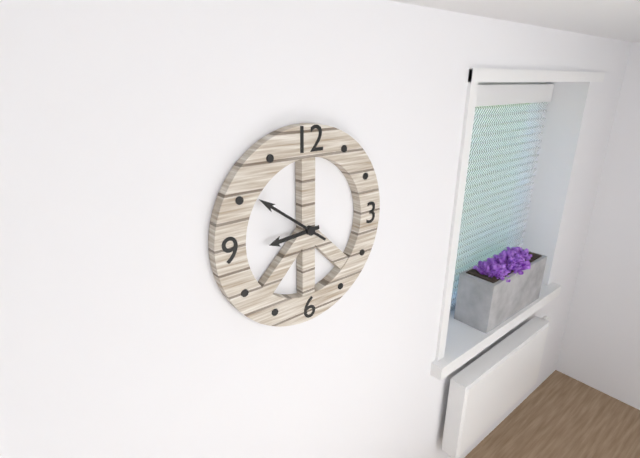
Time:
h=8 m=51
